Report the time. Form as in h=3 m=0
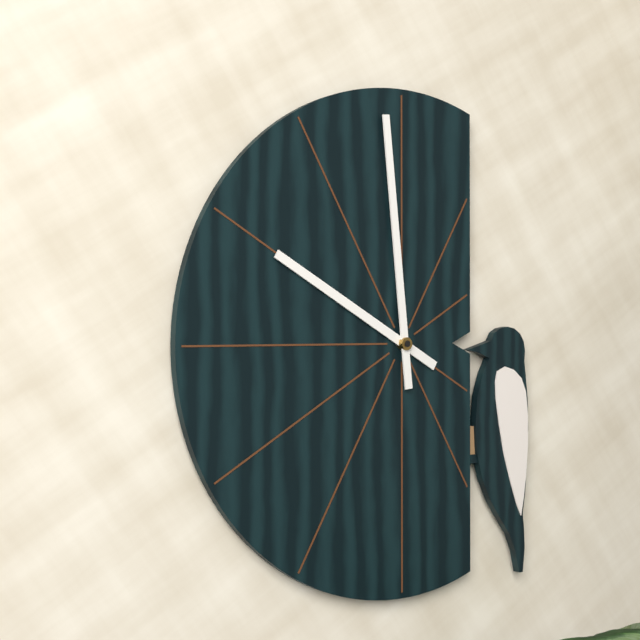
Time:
h=9 m=59
